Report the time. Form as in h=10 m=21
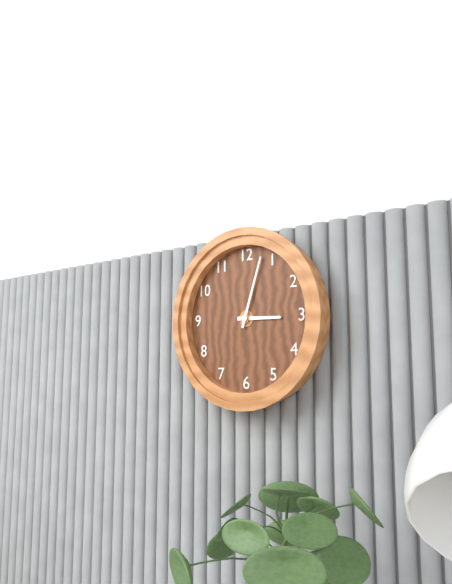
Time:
h=3 m=3
